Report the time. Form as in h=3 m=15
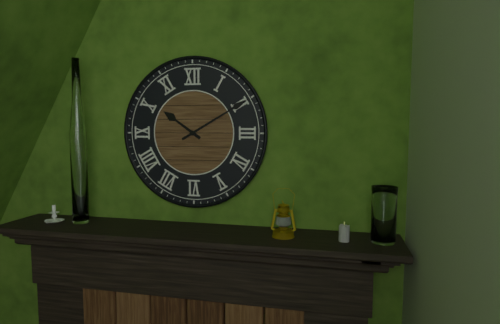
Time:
h=10 m=10
